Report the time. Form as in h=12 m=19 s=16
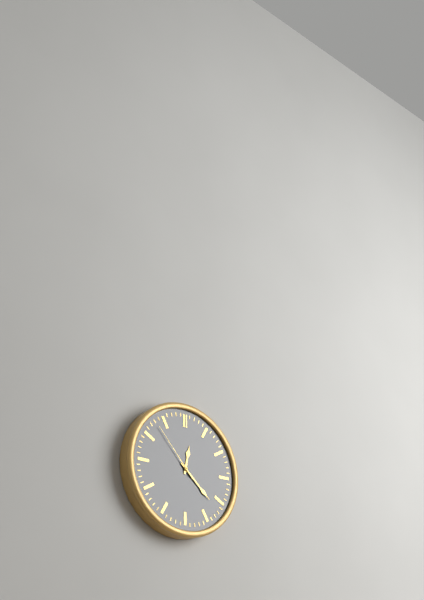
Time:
h=12 m=22 s=53
